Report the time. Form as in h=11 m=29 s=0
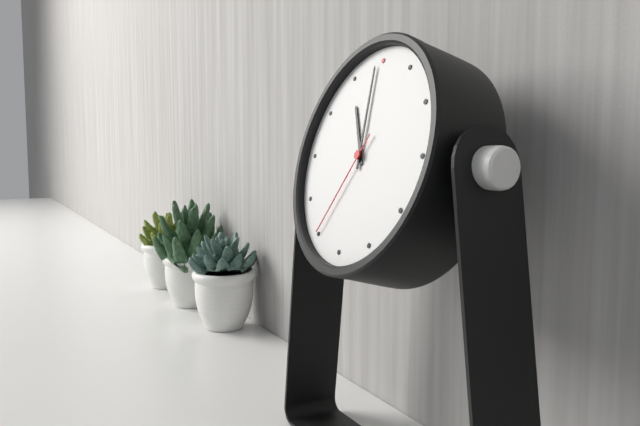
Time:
h=10 m=59 s=35
